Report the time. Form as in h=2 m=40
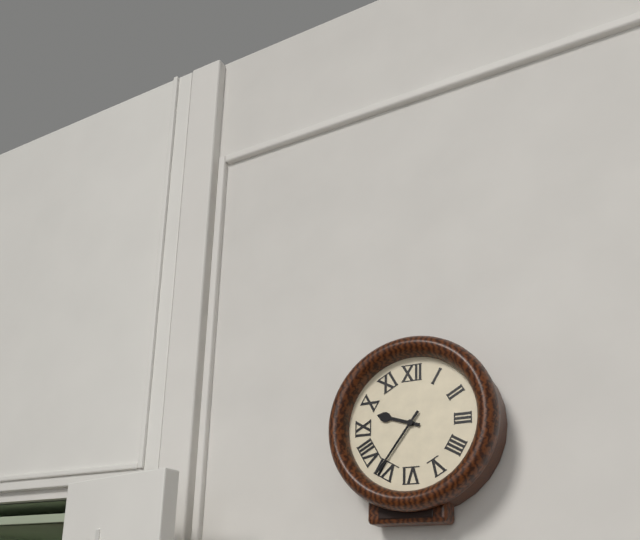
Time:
h=9 m=36
